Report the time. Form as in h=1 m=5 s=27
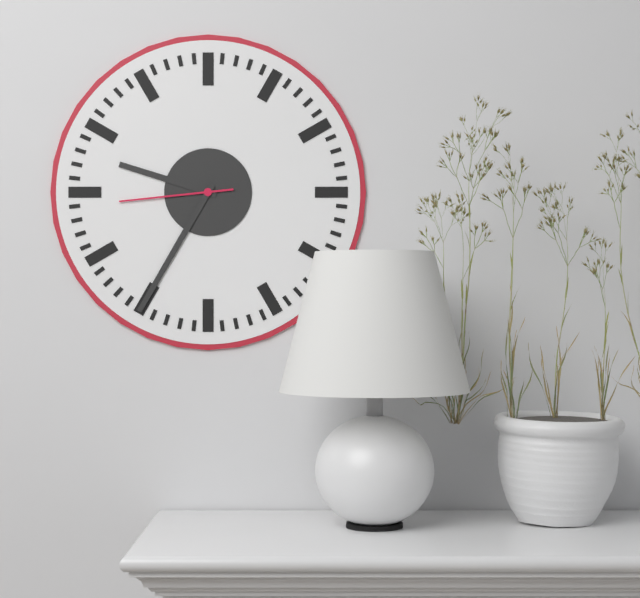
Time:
h=9 m=35 s=44
